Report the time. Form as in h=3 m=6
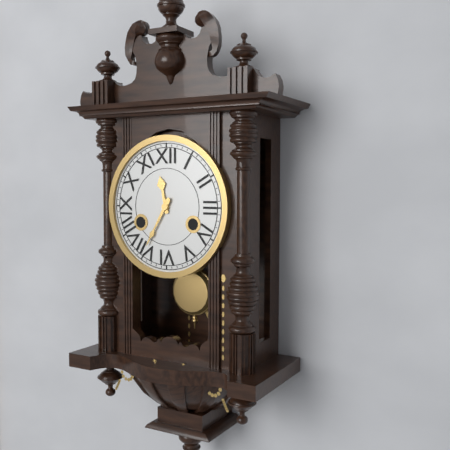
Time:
h=11 m=35
